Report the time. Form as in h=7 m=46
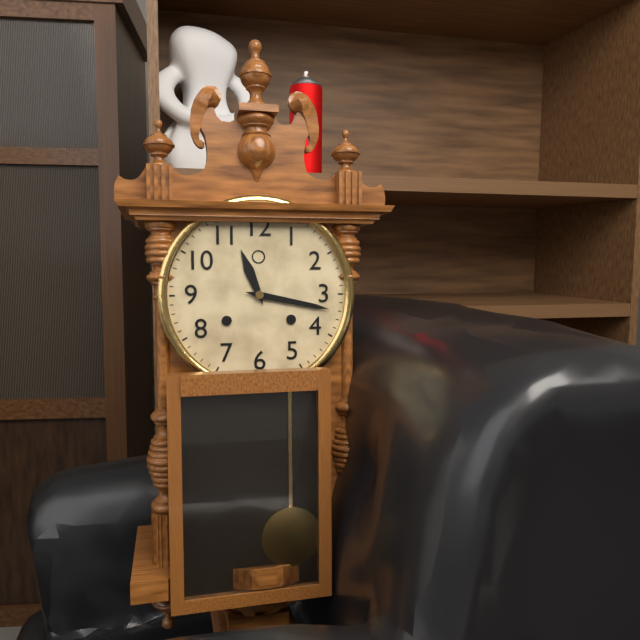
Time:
h=11 m=17
